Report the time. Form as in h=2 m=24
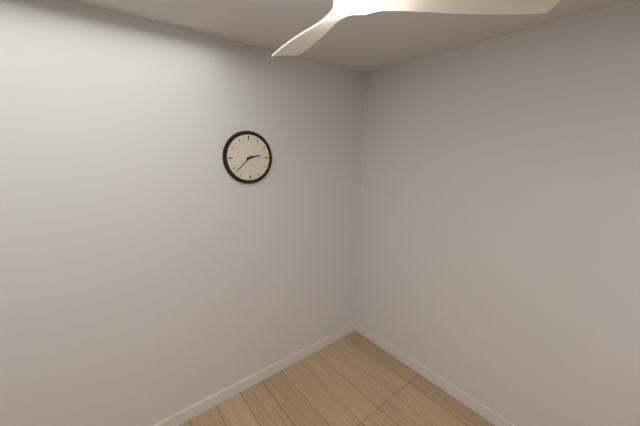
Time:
h=2 m=38
